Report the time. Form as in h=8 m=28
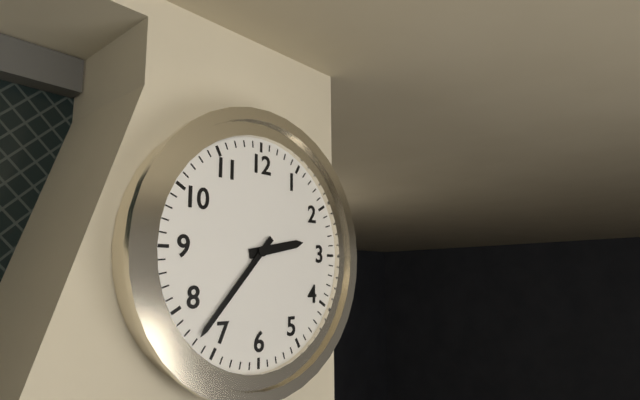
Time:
h=2 m=37
